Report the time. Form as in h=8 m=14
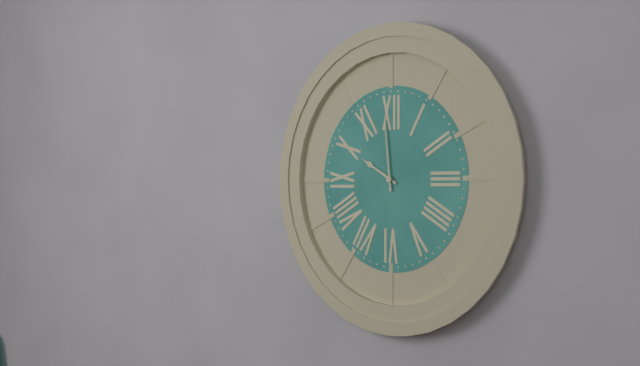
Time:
h=9 m=59
